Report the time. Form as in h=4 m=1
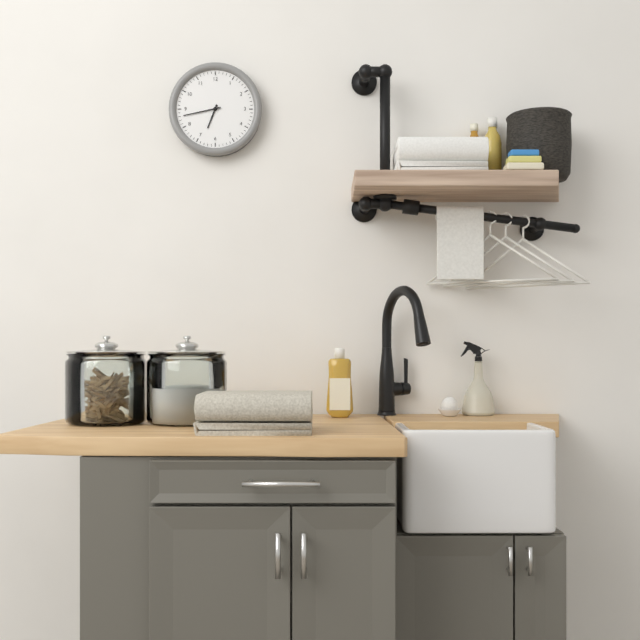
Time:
h=6 m=43
